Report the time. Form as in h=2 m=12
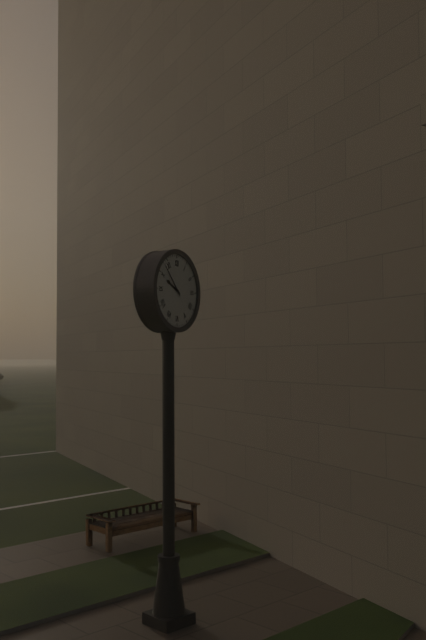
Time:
h=9 m=53
